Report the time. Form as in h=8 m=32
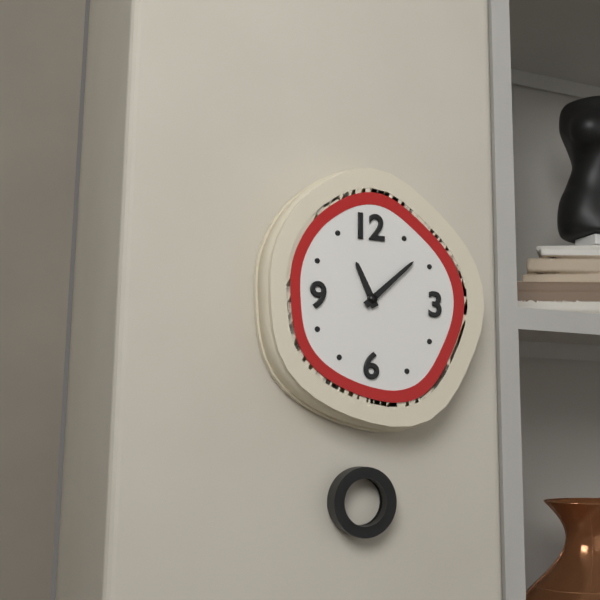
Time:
h=11 m=8
